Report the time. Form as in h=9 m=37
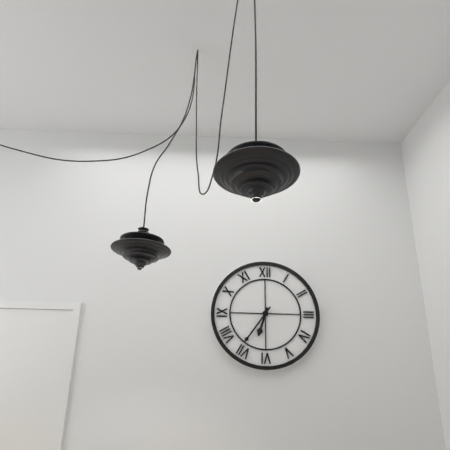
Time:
h=6 m=36
